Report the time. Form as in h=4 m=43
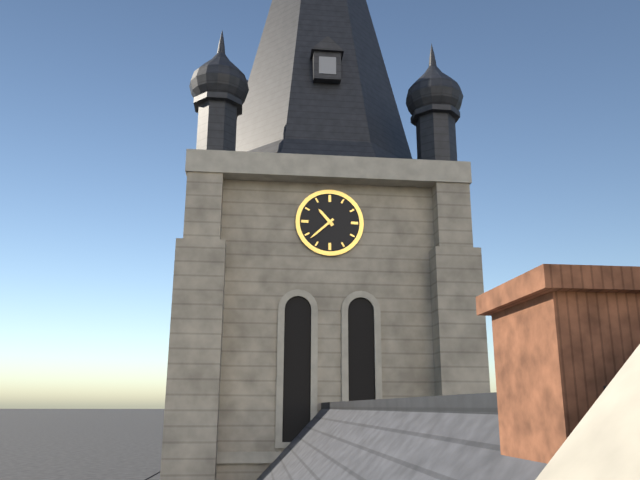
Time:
h=10 m=38
